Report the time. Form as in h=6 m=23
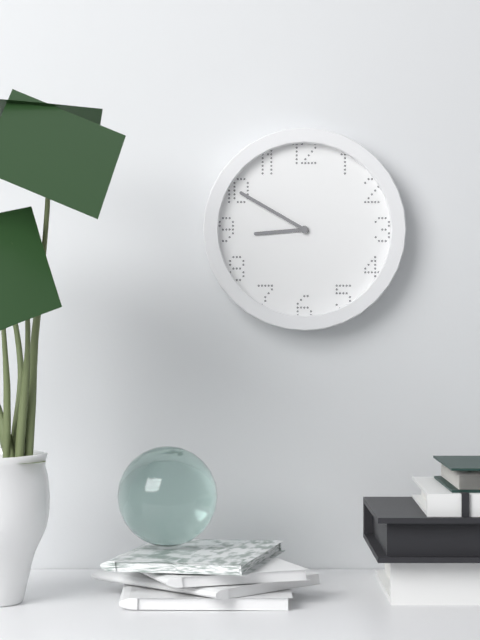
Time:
h=8 m=50
